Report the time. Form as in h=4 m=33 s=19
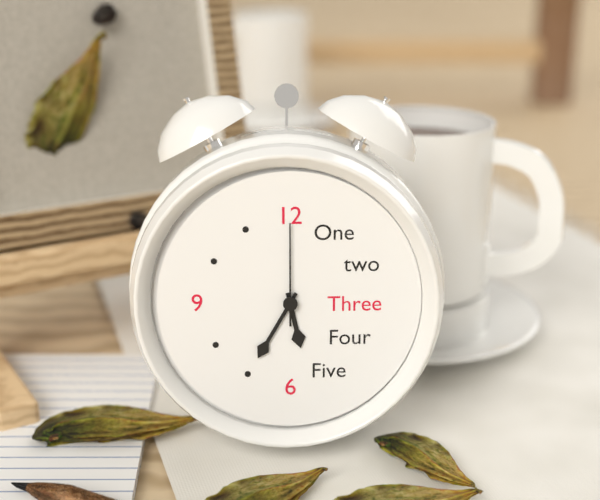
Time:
h=5 m=35 s=0
